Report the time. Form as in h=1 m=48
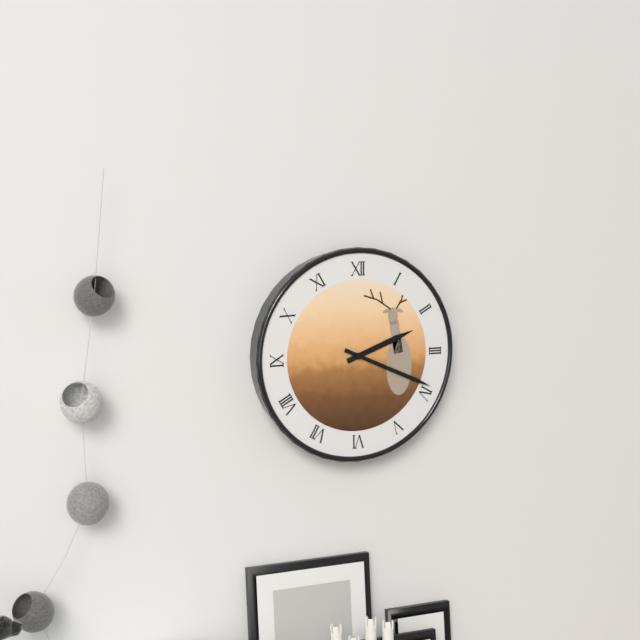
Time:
h=2 m=19
